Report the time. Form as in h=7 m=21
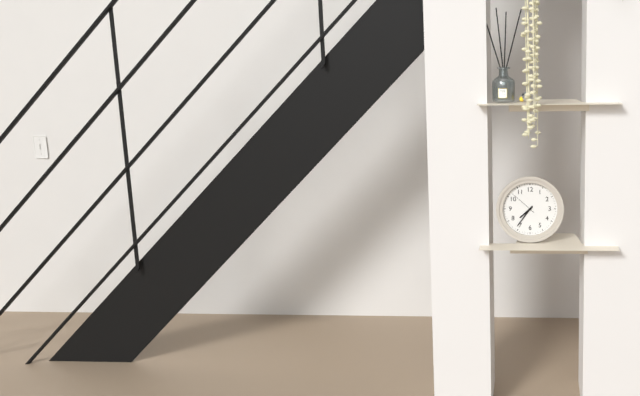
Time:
h=7 m=36
